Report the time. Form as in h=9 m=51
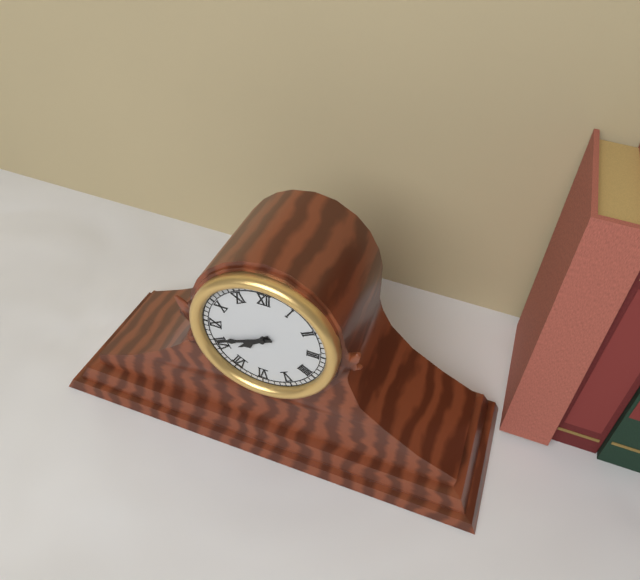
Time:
h=7 m=41
